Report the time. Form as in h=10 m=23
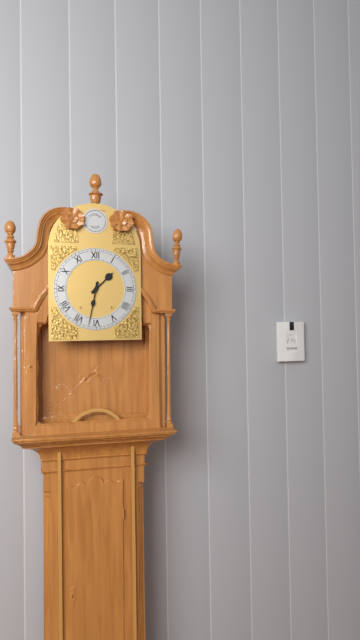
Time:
h=1 m=32
